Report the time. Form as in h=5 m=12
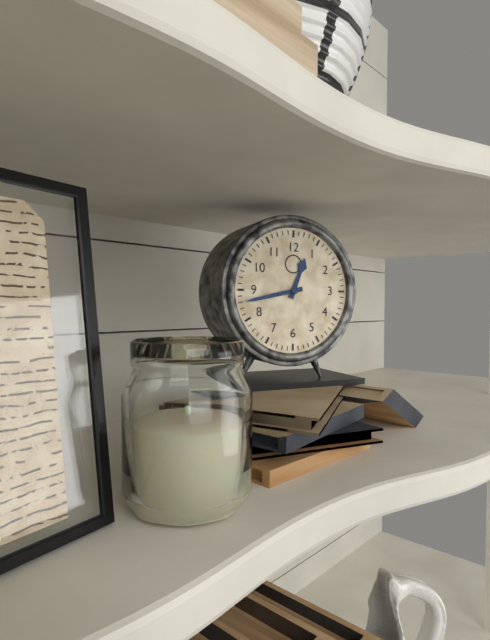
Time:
h=12 m=43
